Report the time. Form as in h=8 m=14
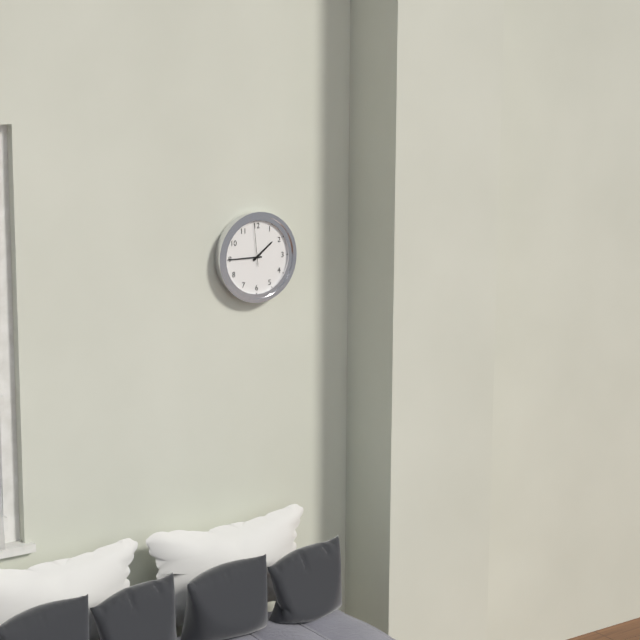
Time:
h=1 m=45
